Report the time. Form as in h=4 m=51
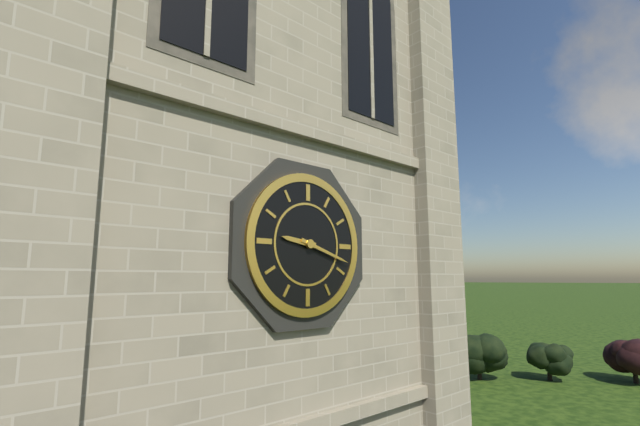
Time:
h=9 m=18
